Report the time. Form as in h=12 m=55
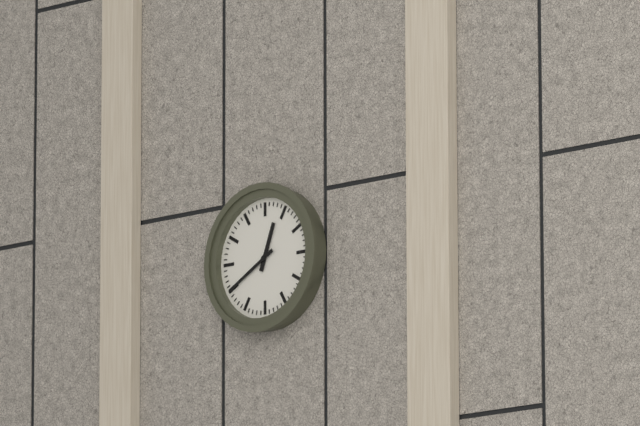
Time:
h=12 m=40
